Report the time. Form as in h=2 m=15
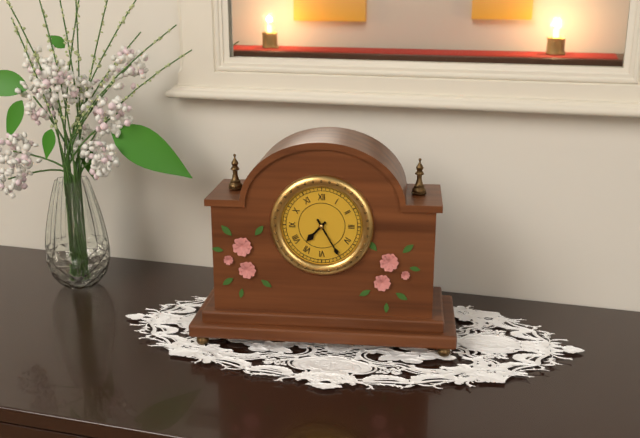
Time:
h=7 m=25
